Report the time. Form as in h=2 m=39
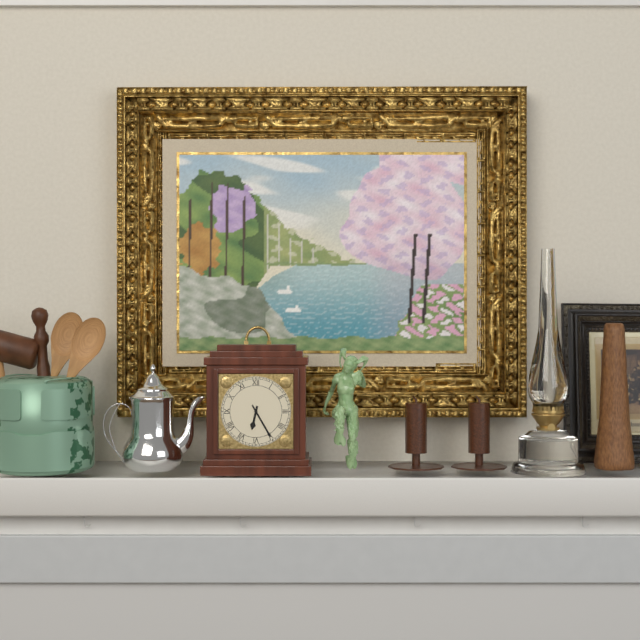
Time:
h=6 m=25
